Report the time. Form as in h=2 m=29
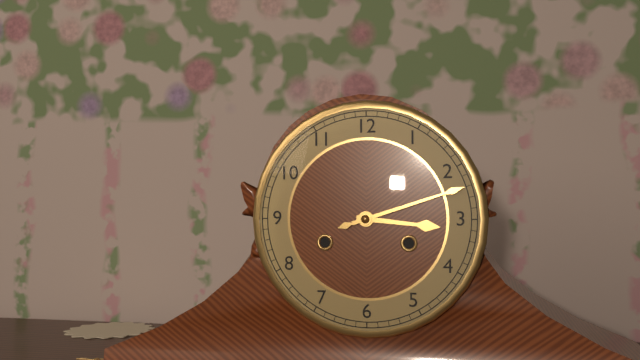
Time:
h=3 m=12
